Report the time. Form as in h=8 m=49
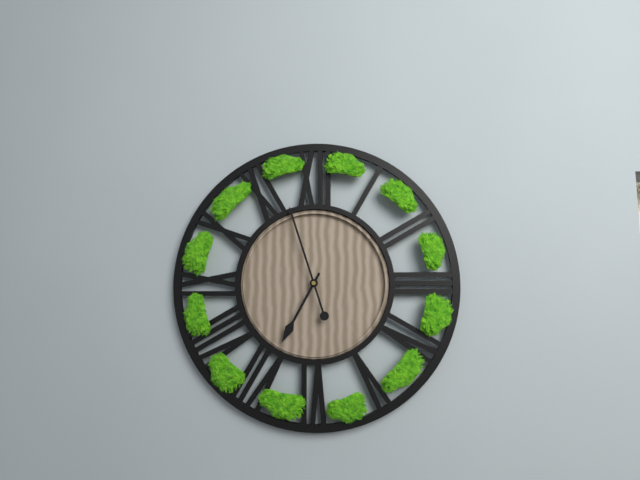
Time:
h=6 m=57
